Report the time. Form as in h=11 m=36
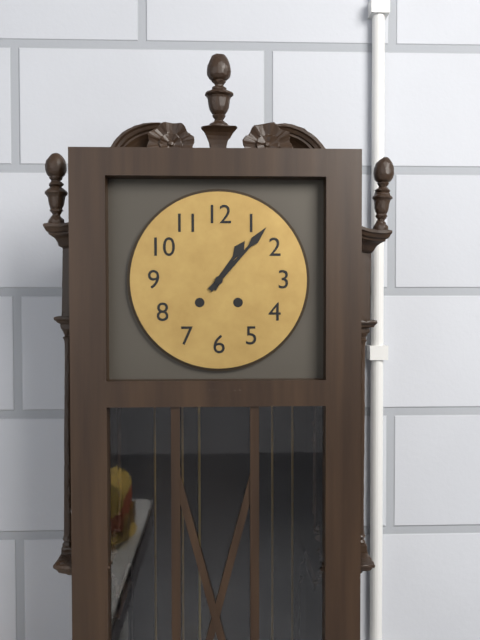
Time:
h=1 m=7
